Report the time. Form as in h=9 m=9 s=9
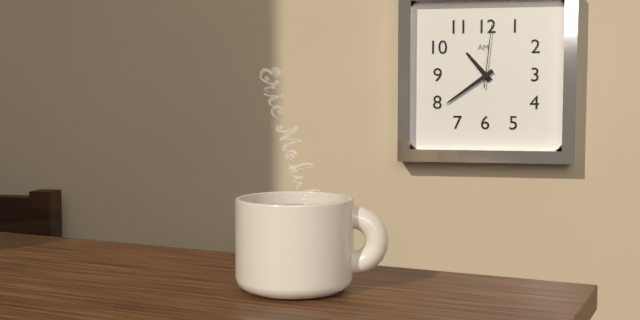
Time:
h=10 m=39 s=1
